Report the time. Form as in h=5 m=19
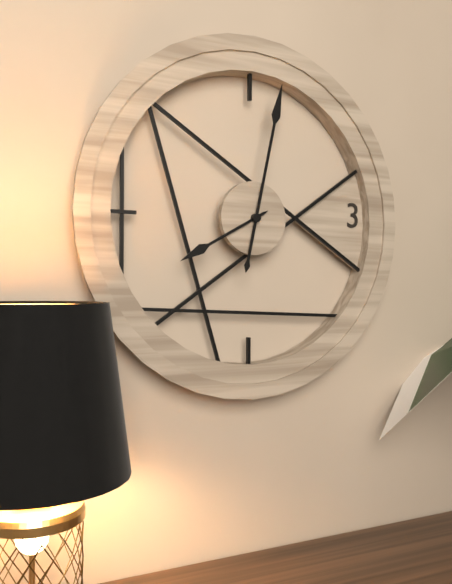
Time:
h=8 m=2
